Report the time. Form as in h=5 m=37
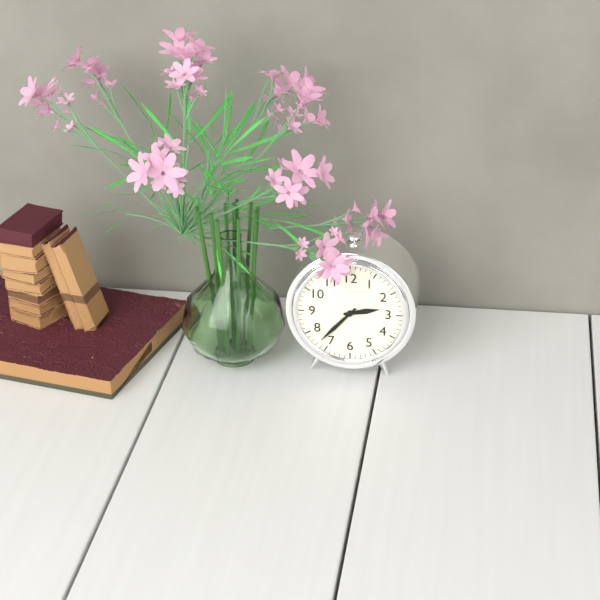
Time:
h=2 m=37
